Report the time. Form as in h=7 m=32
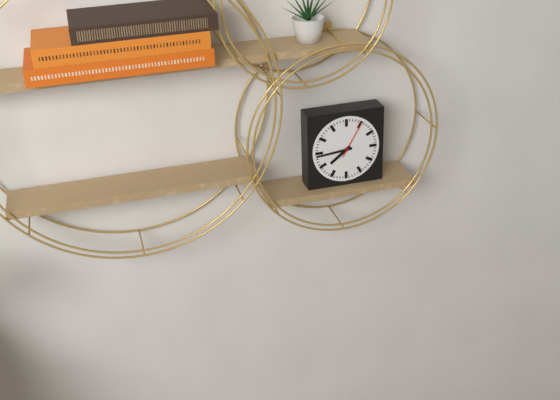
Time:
h=7 m=44
